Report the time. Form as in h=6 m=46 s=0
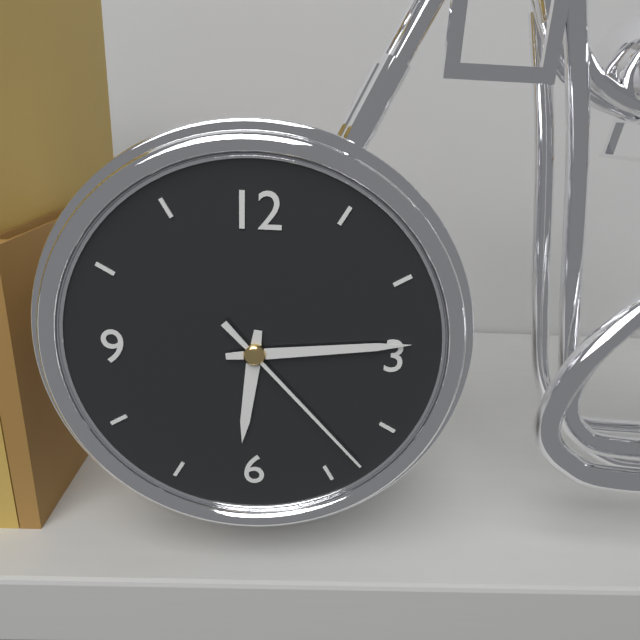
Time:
h=6 m=14 s=23
